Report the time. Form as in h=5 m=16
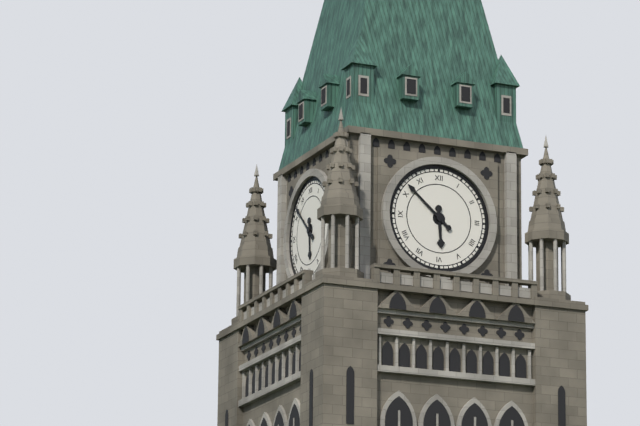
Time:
h=5 m=52
